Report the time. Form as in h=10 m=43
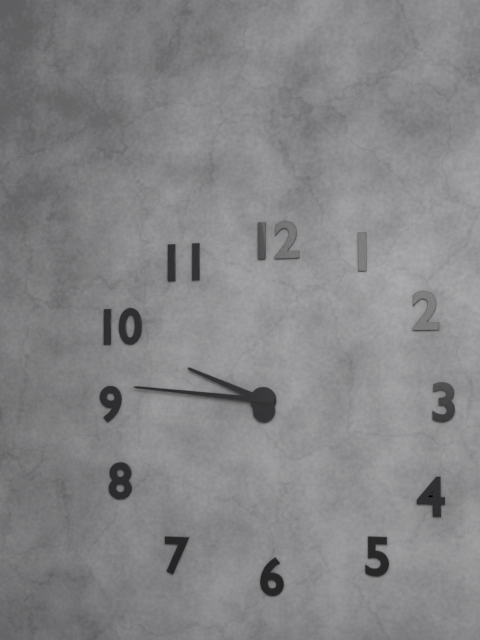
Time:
h=9 m=46
